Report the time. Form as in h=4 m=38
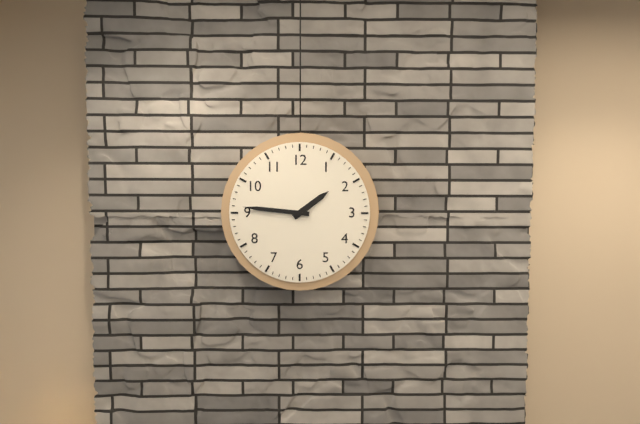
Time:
h=1 m=46
